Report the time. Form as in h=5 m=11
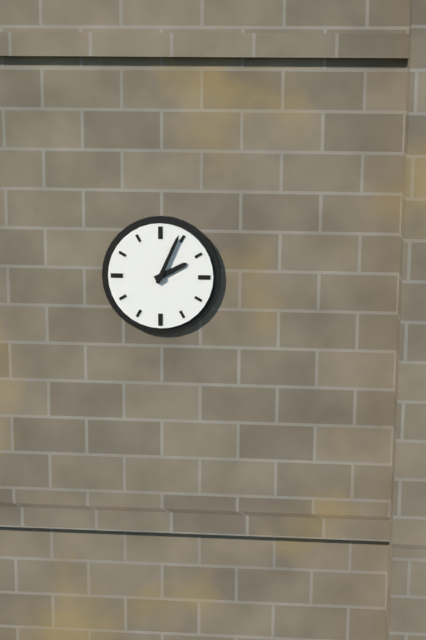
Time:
h=2 m=4
